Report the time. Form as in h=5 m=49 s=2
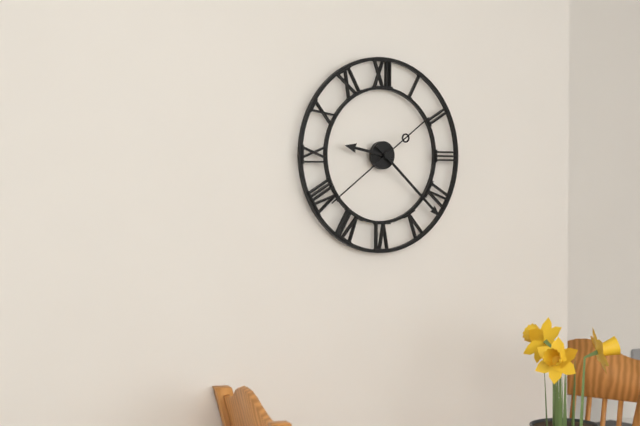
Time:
h=9 m=22 s=39
